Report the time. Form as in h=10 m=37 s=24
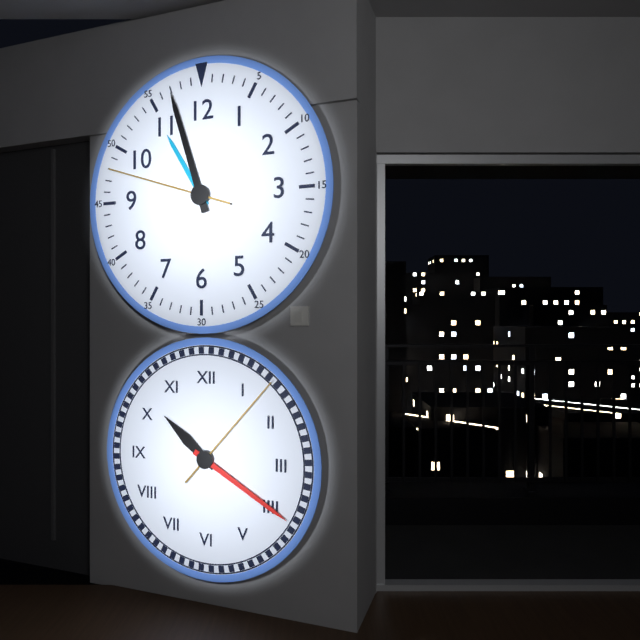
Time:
h=10 m=57 s=48
